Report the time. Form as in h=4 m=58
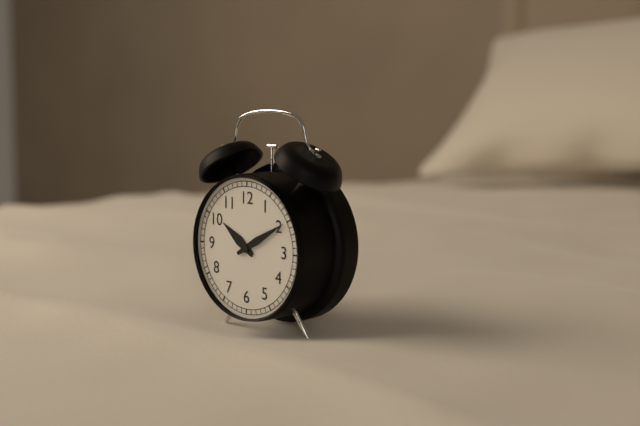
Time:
h=10 m=10
